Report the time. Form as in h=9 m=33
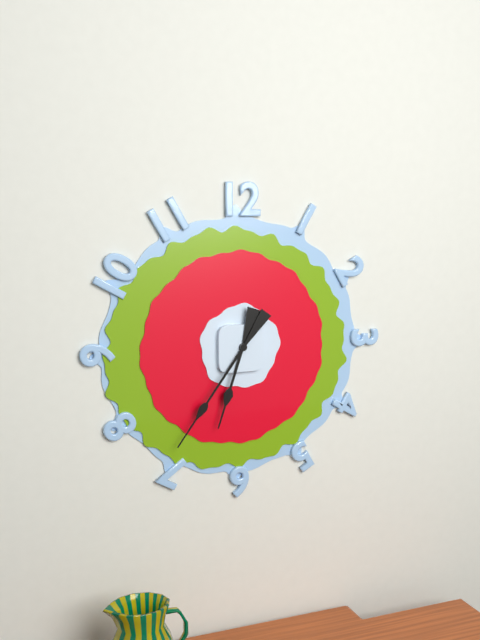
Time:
h=6 m=36
